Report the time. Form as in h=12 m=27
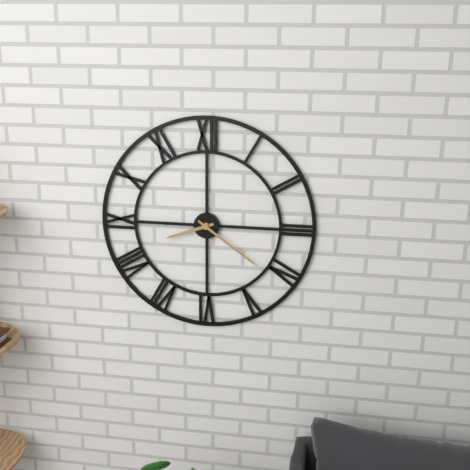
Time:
h=8 m=21
